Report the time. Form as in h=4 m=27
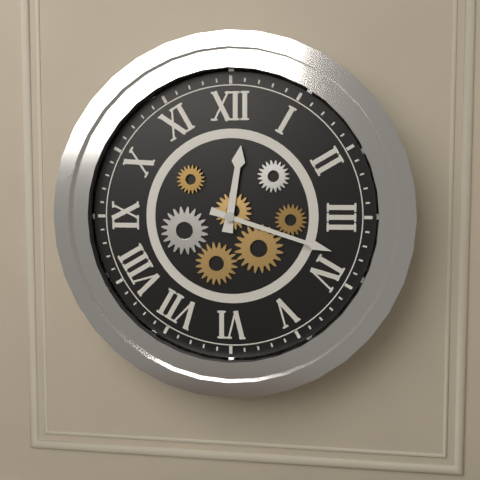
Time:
h=12 m=18
